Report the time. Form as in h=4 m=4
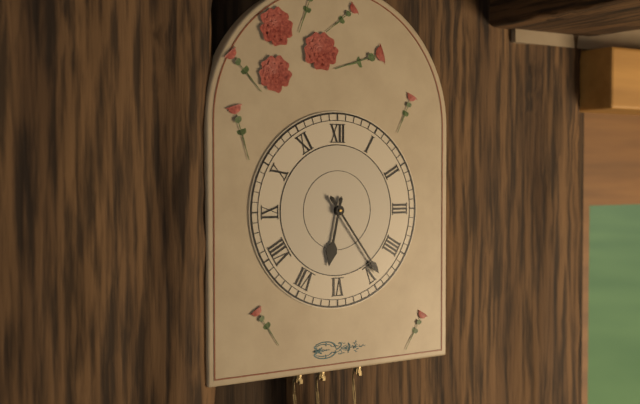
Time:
h=6 m=24
